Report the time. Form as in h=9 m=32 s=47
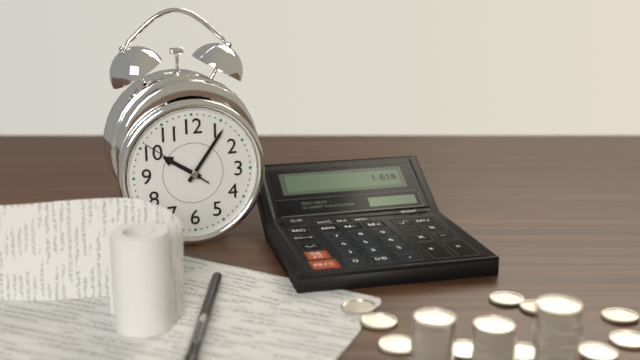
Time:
h=10 m=6 s=51
